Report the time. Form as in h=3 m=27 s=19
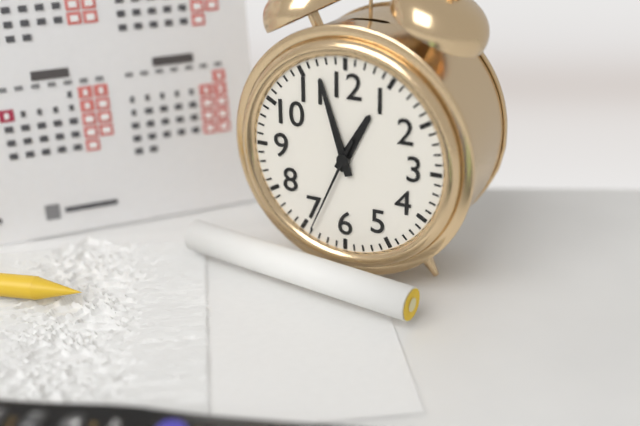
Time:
h=12 m=57 s=34
